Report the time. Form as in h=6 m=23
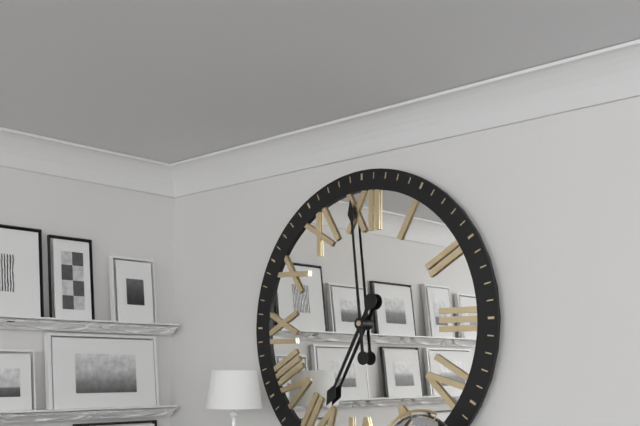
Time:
h=6 m=59
